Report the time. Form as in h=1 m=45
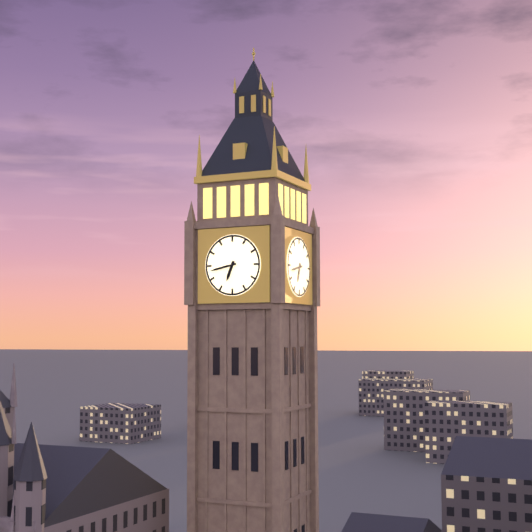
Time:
h=6 m=43
